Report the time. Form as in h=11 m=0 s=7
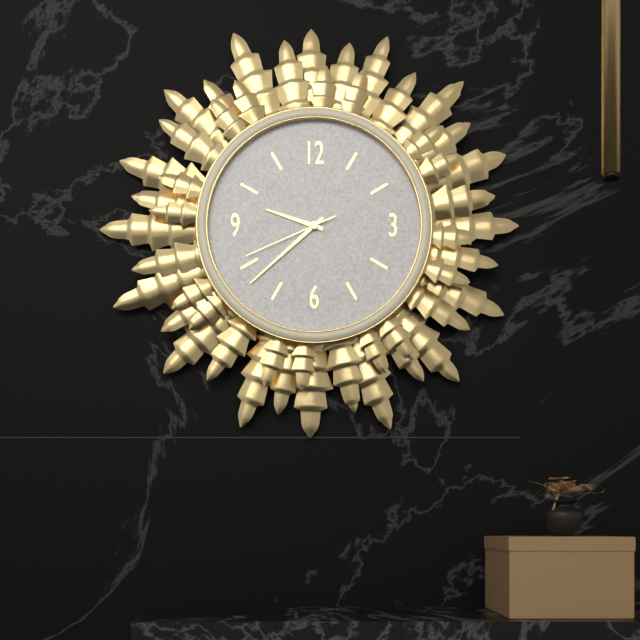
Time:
h=9 m=38 s=41
